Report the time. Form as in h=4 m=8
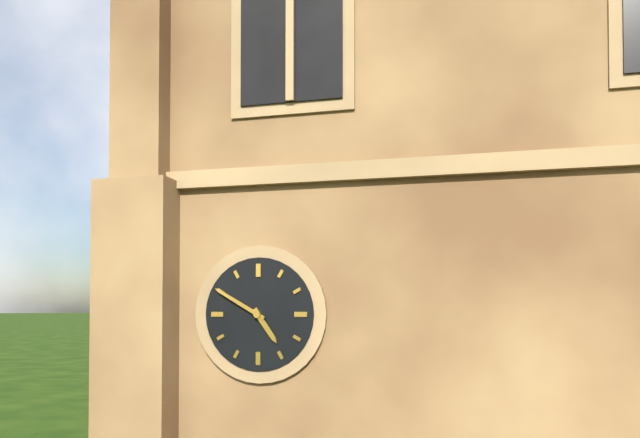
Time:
h=4 m=50
